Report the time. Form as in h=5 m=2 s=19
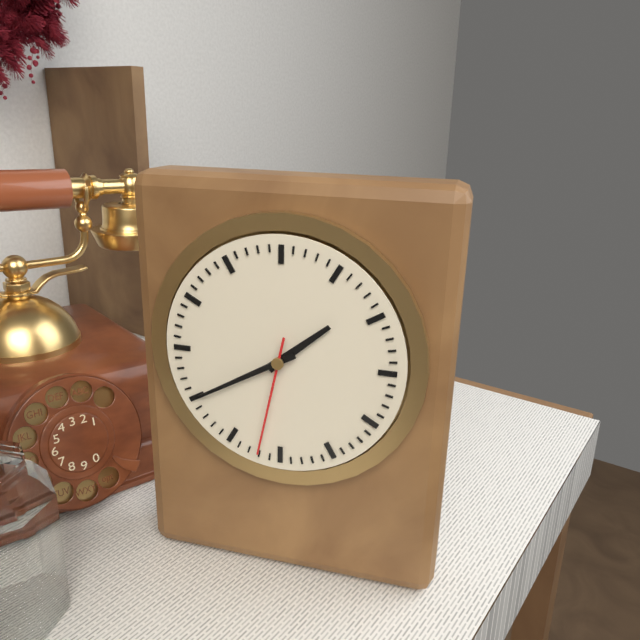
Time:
h=1 m=40 s=32
